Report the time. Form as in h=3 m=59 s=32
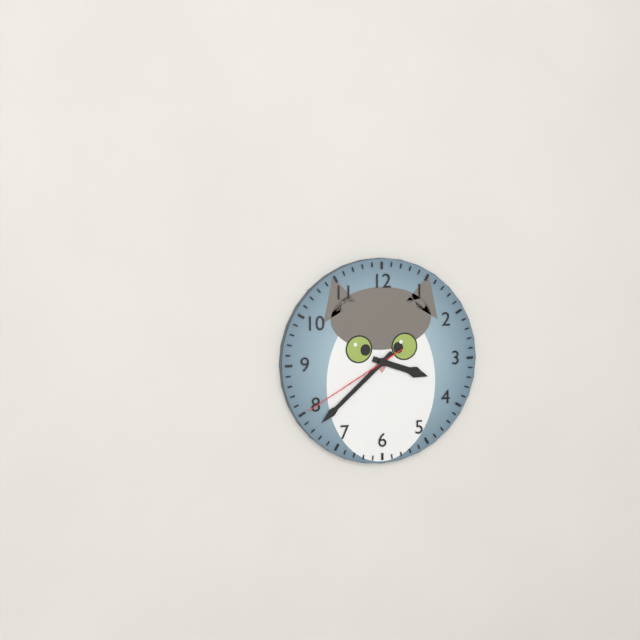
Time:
h=3 m=38 s=40
